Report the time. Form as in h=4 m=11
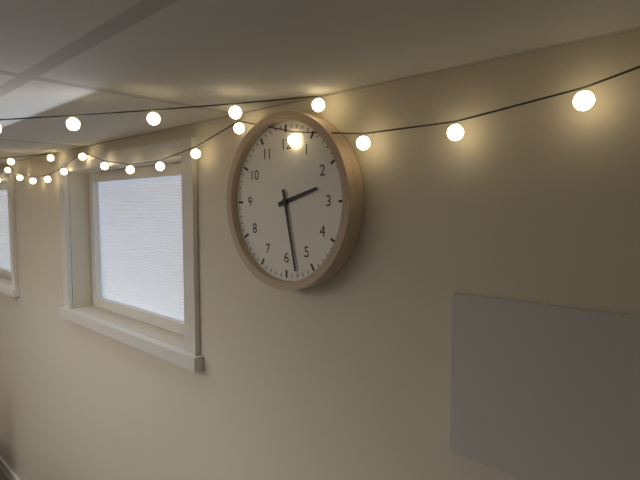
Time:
h=2 m=28
